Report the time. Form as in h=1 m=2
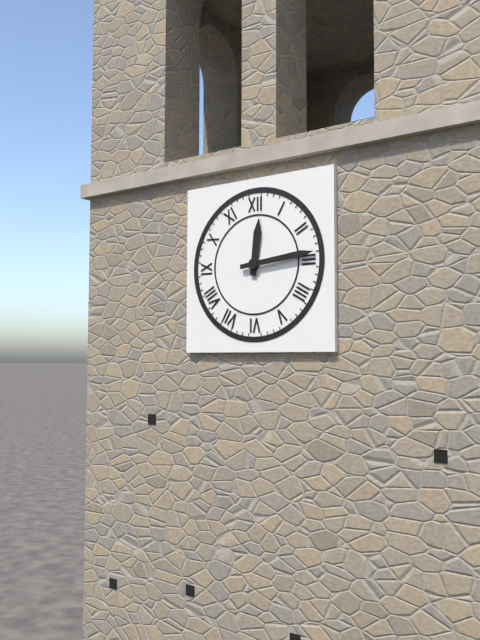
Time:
h=12 m=14
